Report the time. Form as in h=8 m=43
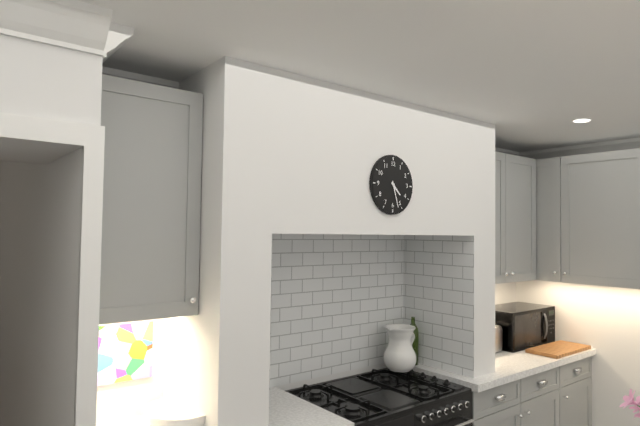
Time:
h=4 m=27
